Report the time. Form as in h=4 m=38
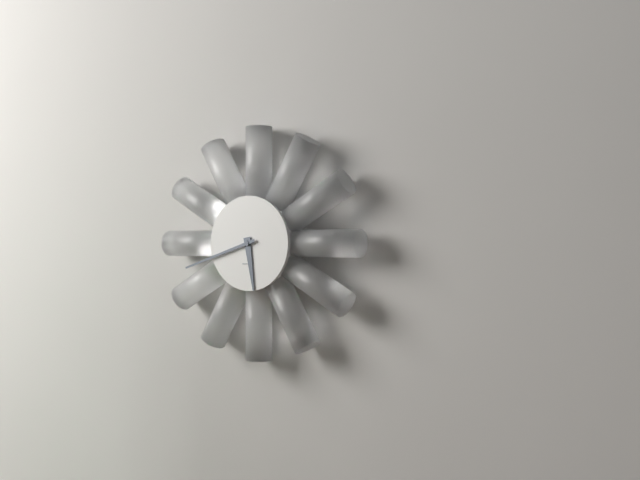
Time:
h=5 m=42
